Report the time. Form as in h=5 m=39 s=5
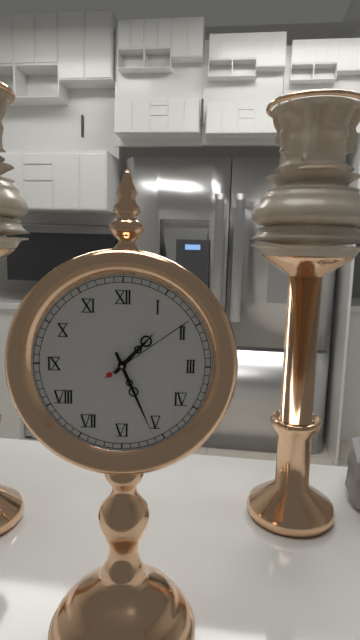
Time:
h=1 m=26 s=9
